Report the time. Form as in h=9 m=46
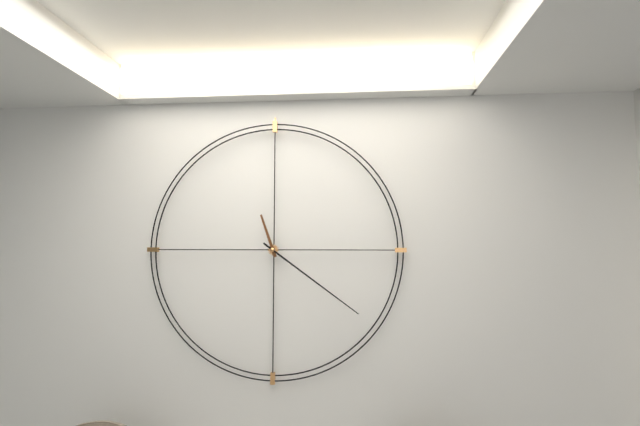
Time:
h=11 m=21
